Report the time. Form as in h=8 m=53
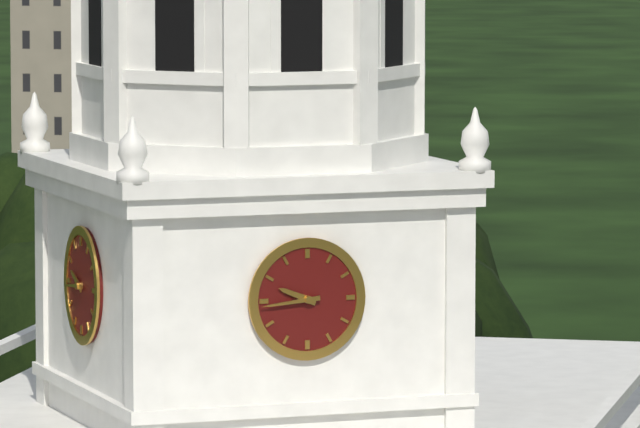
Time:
h=9 m=44
